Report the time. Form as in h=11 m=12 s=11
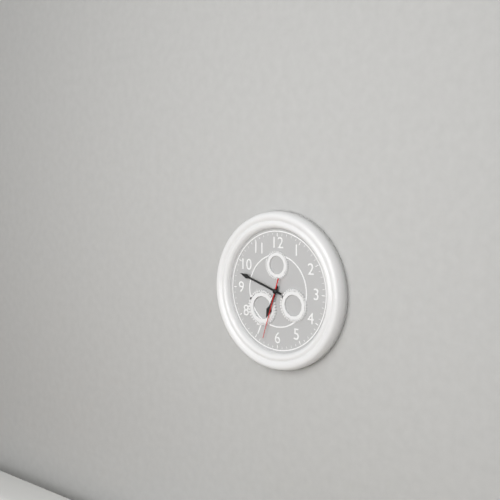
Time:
h=6 m=48 s=33
